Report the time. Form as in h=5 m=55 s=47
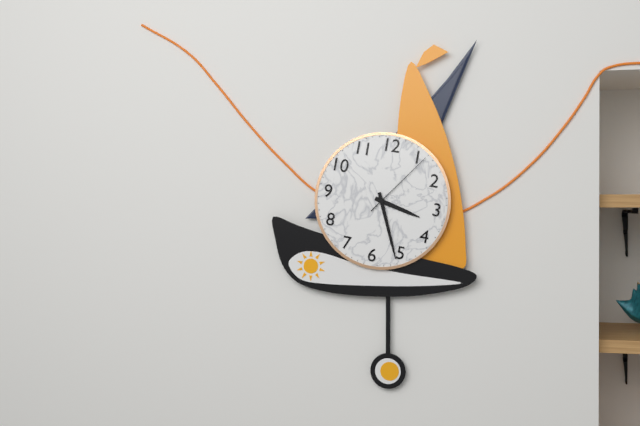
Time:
h=3 m=26 s=6
